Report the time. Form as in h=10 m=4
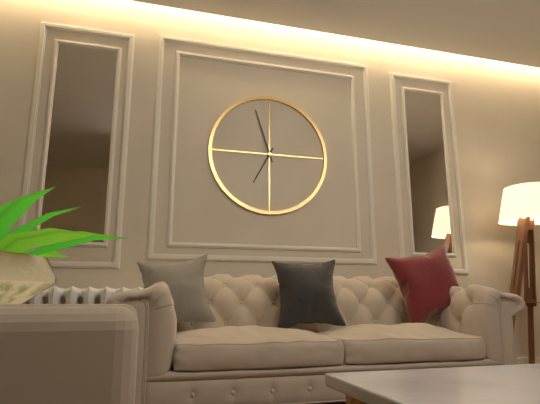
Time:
h=6 m=57
